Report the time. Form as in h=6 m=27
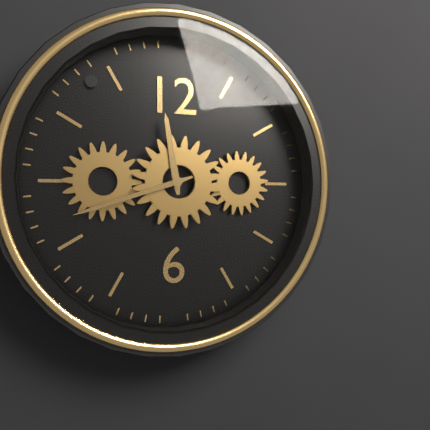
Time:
h=11 m=42
